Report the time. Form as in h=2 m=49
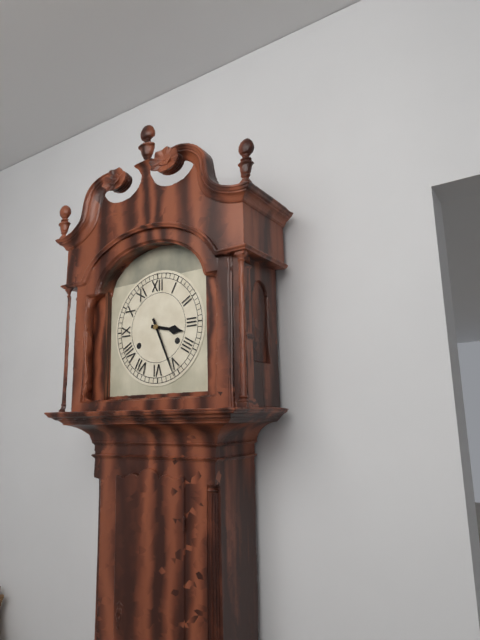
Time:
h=3 m=26
